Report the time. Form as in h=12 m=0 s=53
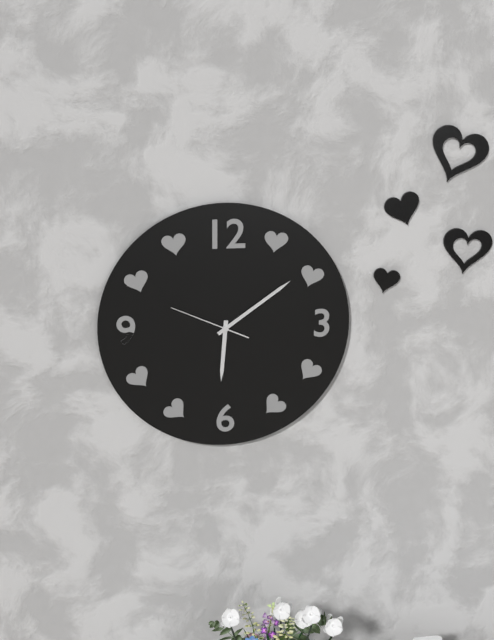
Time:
h=6 m=9 s=49
